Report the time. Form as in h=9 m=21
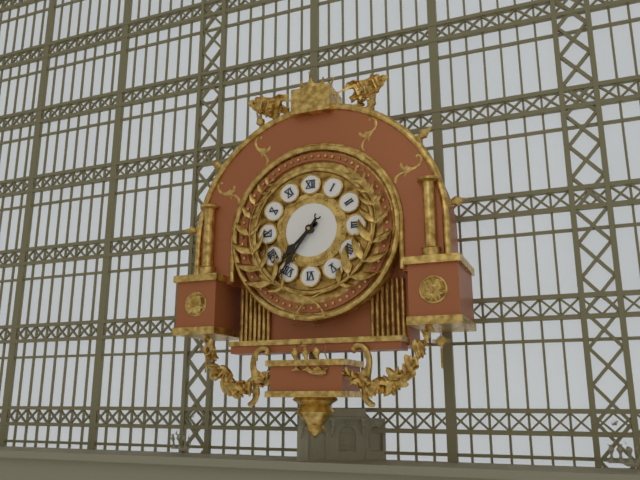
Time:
h=7 m=36
